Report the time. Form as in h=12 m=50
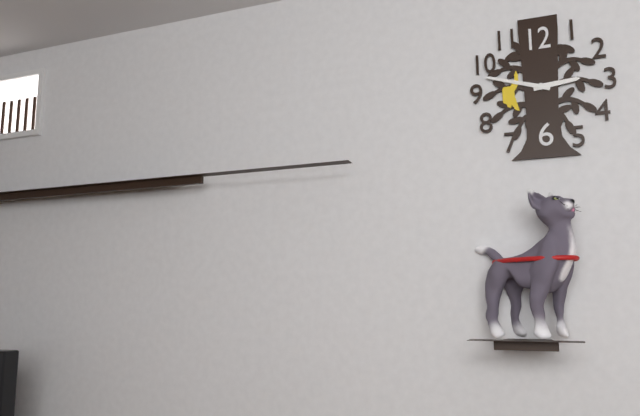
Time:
h=2 m=48
